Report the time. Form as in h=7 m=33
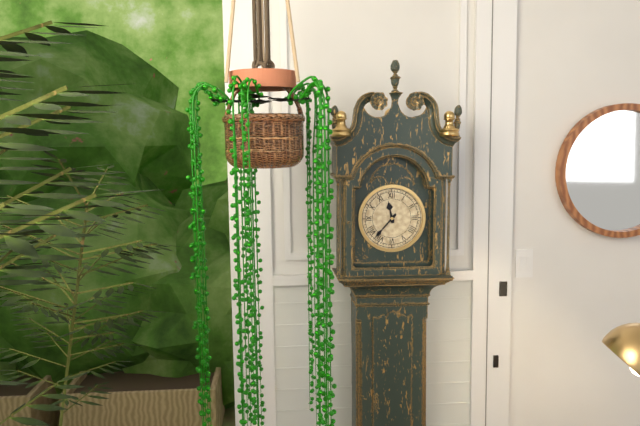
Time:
h=11 m=37
